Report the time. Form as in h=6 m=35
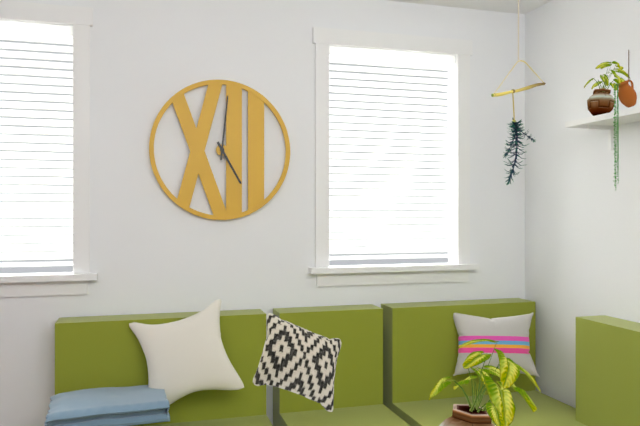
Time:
h=5 m=1
